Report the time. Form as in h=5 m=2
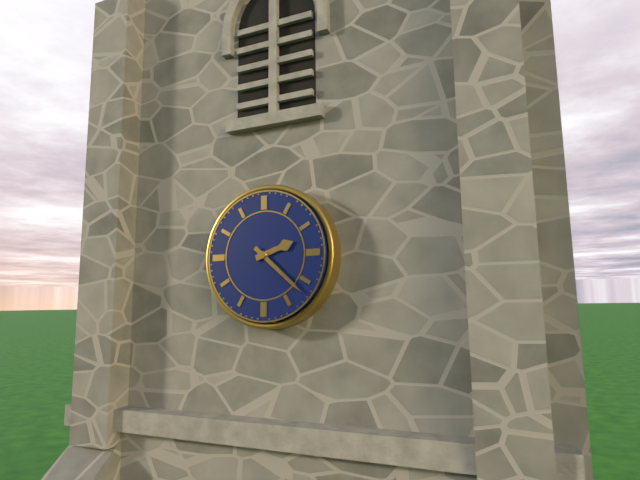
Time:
h=2 m=22
